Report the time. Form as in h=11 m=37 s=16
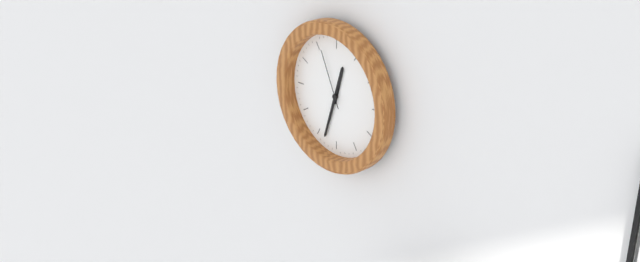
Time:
h=12 m=33 s=56
